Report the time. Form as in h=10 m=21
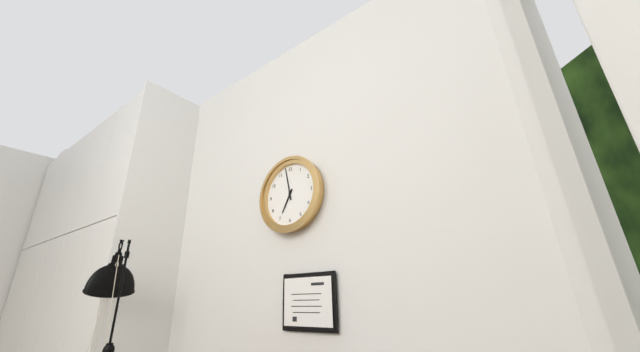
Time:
h=6 m=58
